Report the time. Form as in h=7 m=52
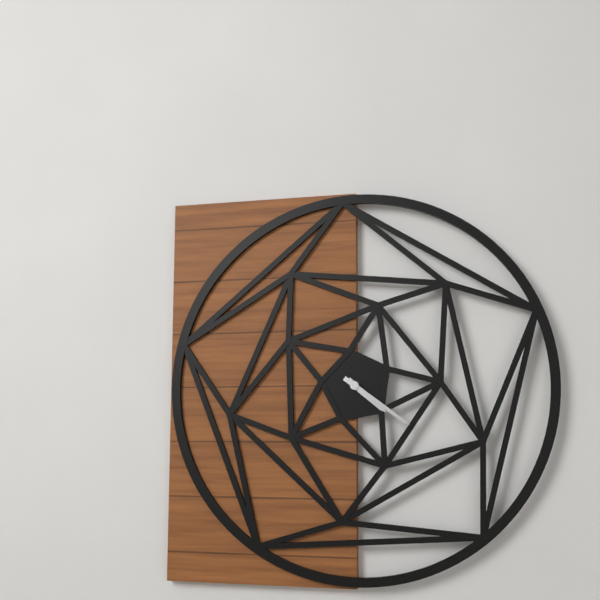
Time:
h=4 m=21
